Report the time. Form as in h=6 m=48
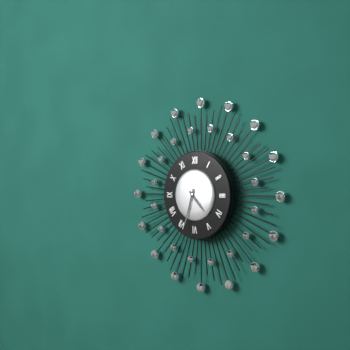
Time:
h=4 m=33
